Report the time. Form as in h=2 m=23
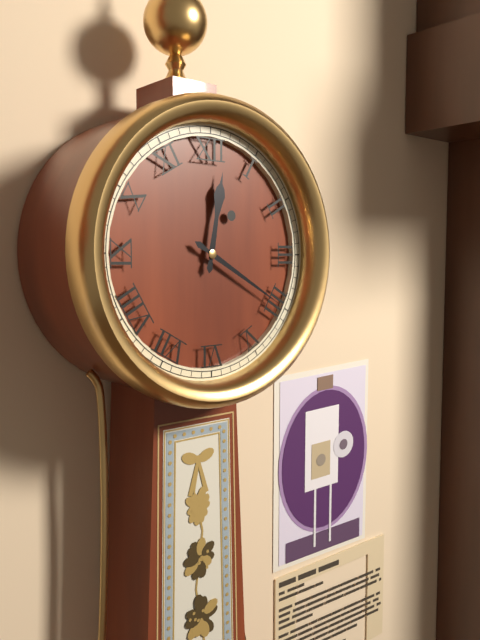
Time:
h=12 m=20
